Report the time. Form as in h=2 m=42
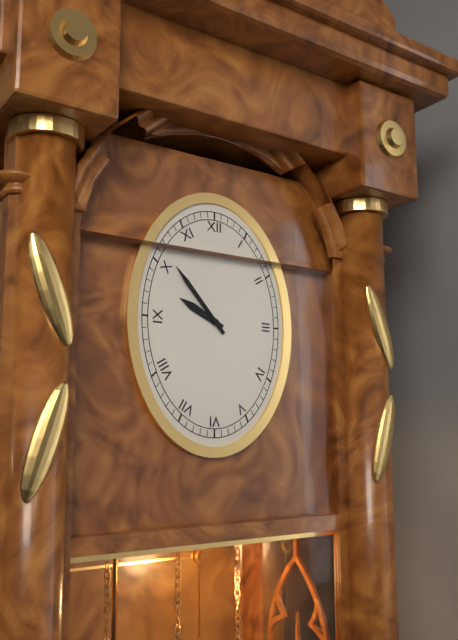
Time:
h=9 m=53
